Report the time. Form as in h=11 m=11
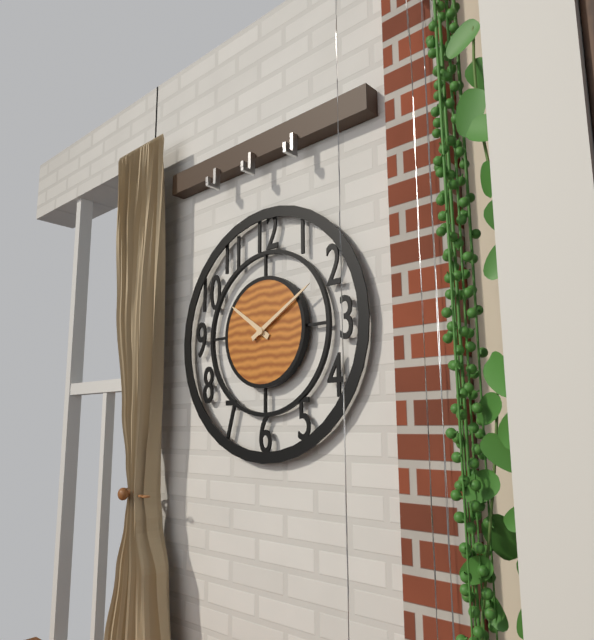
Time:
h=10 m=10
